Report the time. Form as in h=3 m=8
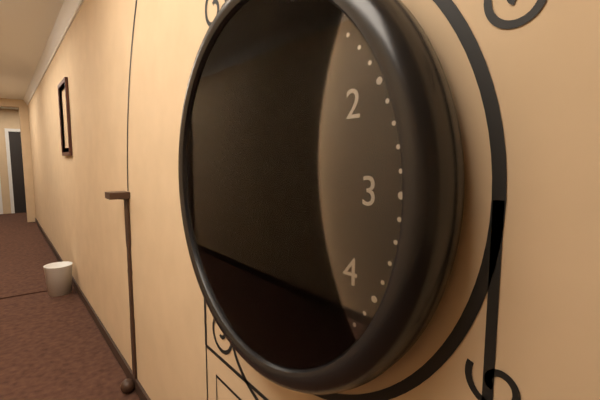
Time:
h=4 m=27
